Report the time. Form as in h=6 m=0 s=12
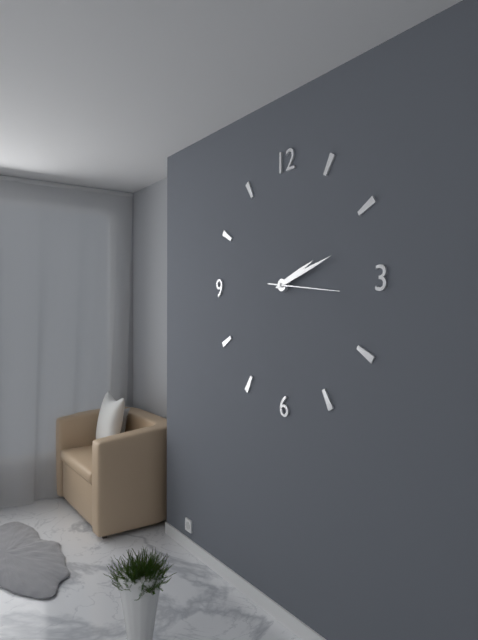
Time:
h=2 m=12 s=16
